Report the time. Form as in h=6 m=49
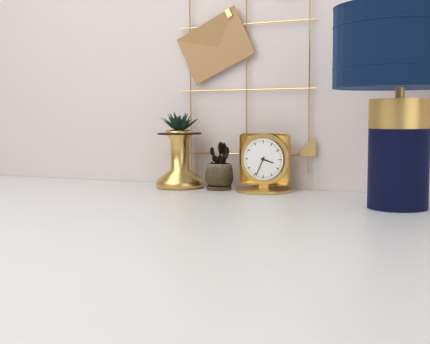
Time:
h=3 m=34
